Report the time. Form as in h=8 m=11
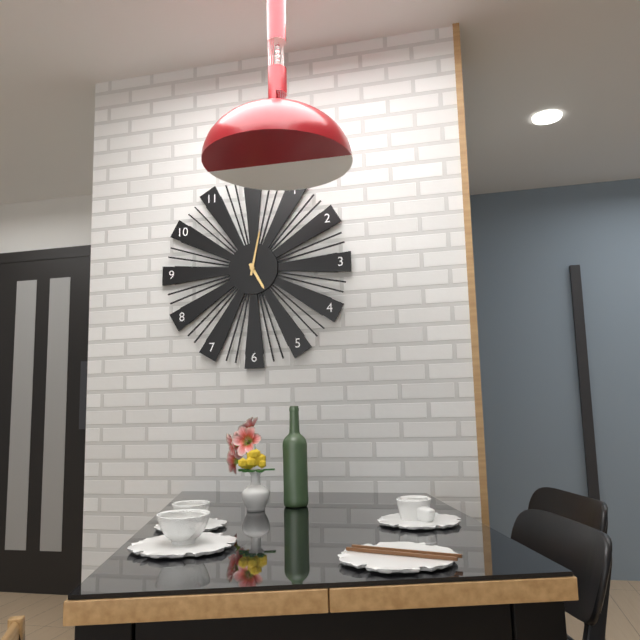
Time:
h=5 m=2
